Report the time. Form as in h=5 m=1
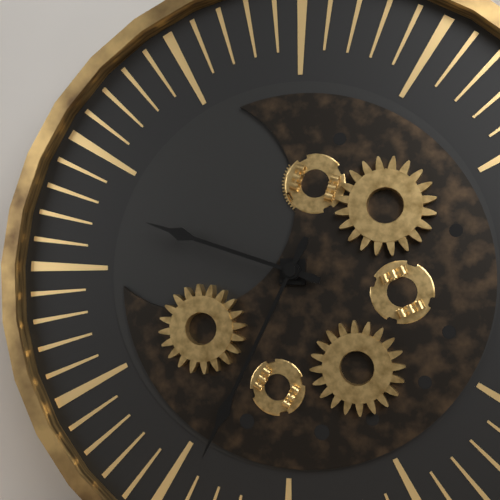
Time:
h=9 m=34
